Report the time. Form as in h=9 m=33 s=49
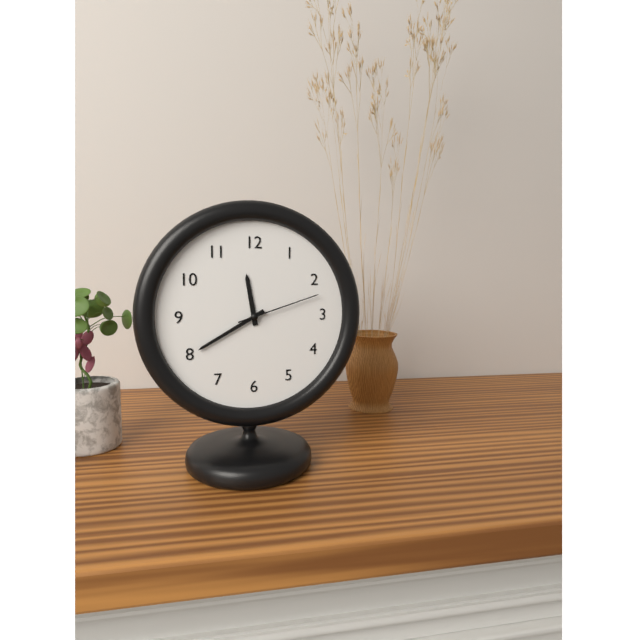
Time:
h=11 m=40 s=12
